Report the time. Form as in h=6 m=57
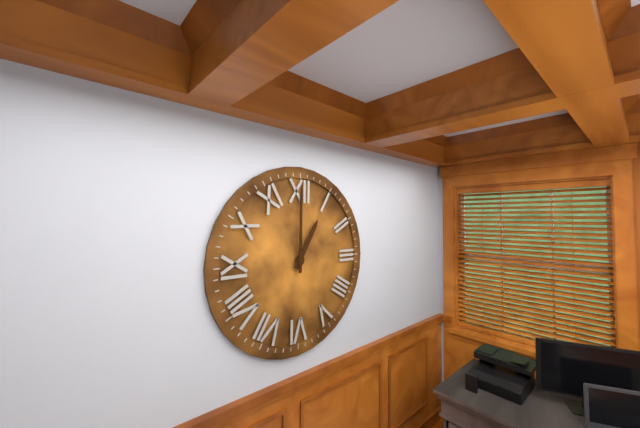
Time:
h=1 m=0
